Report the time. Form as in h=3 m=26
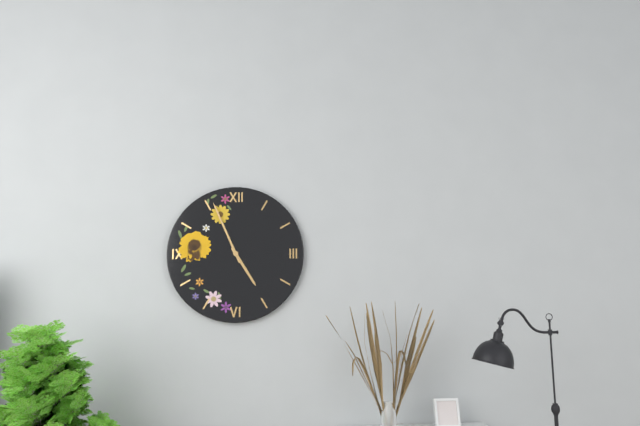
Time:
h=4 m=56
